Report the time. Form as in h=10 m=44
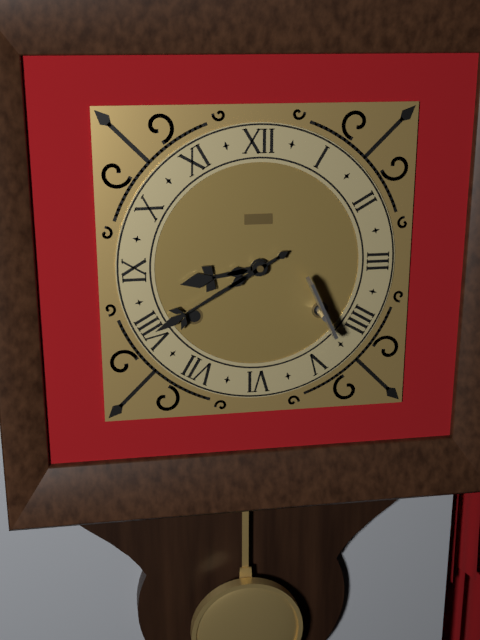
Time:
h=8 m=40
